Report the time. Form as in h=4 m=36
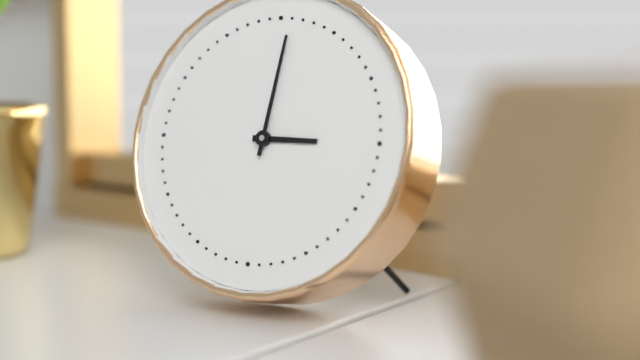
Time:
h=3 m=1
